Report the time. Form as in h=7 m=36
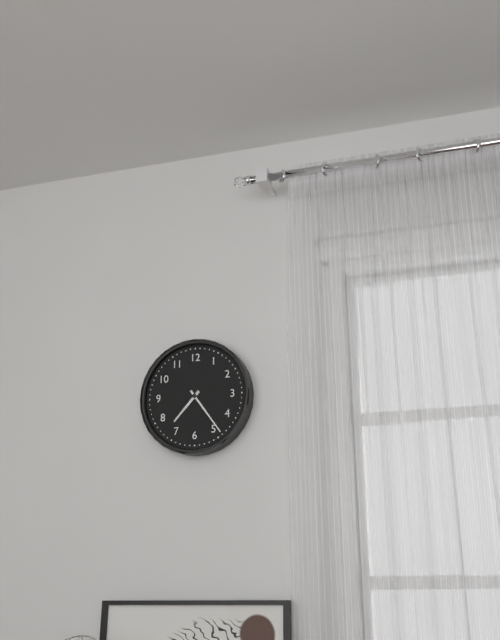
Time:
h=7 m=24
